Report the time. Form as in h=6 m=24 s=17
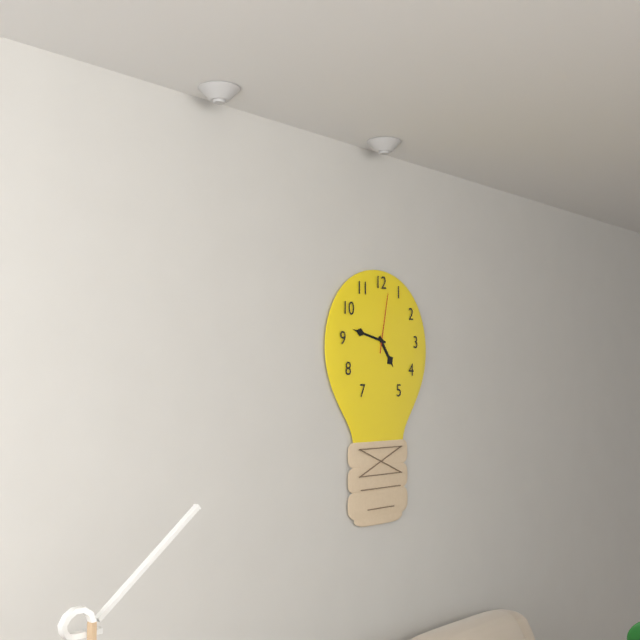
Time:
h=4 m=47 s=2
